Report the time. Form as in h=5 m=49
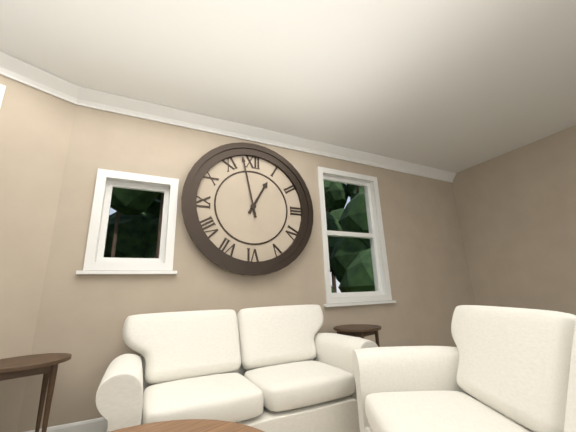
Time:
h=12 m=58
